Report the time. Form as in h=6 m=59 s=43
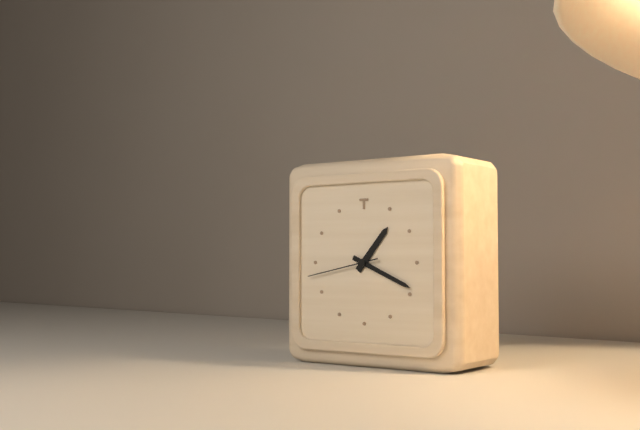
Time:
h=1 m=19 s=43
